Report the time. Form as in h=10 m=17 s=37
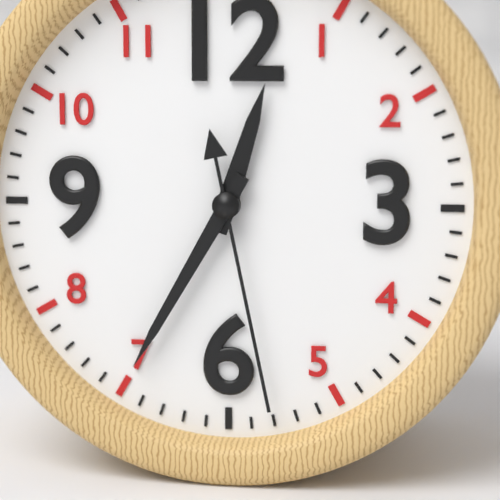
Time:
h=12 m=35 s=28
